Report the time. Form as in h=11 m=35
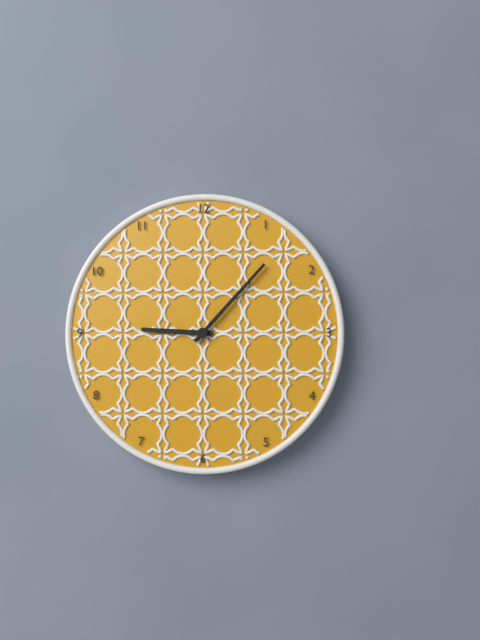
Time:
h=9 m=7
